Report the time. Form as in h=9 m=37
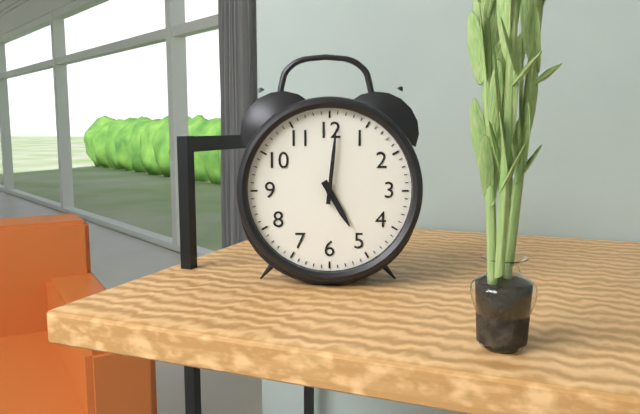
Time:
h=5 m=1
